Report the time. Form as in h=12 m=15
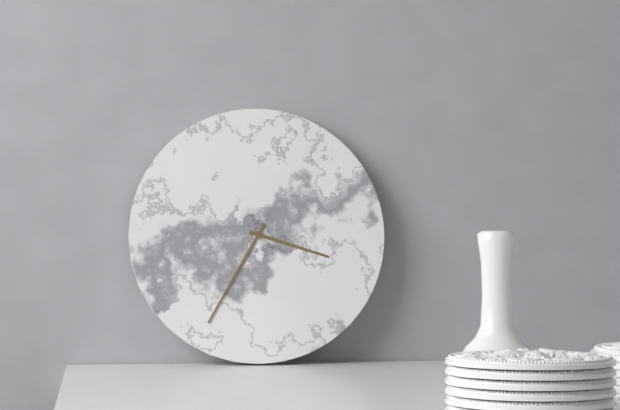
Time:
h=3 m=35
